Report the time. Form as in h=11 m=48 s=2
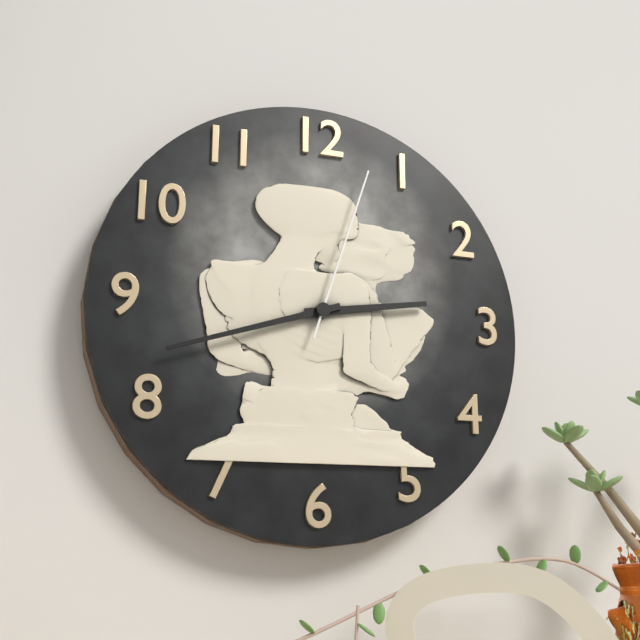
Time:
h=2 m=42 s=3
